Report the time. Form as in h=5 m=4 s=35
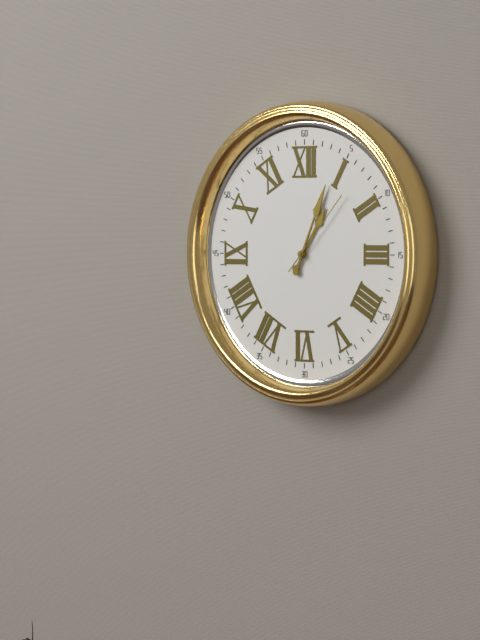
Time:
h=1 m=4 s=7
